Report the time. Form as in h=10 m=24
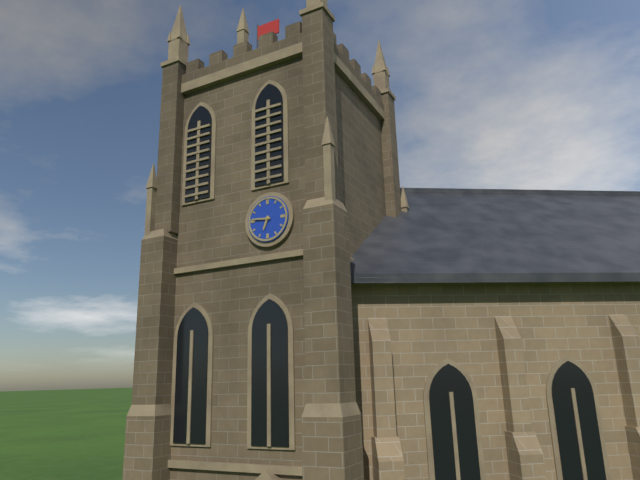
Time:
h=6 m=46
